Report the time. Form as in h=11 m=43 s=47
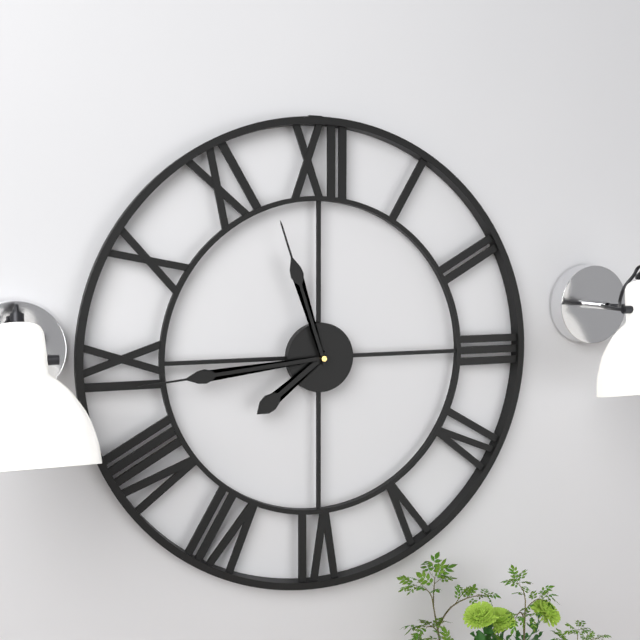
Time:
h=7 m=44 s=57
